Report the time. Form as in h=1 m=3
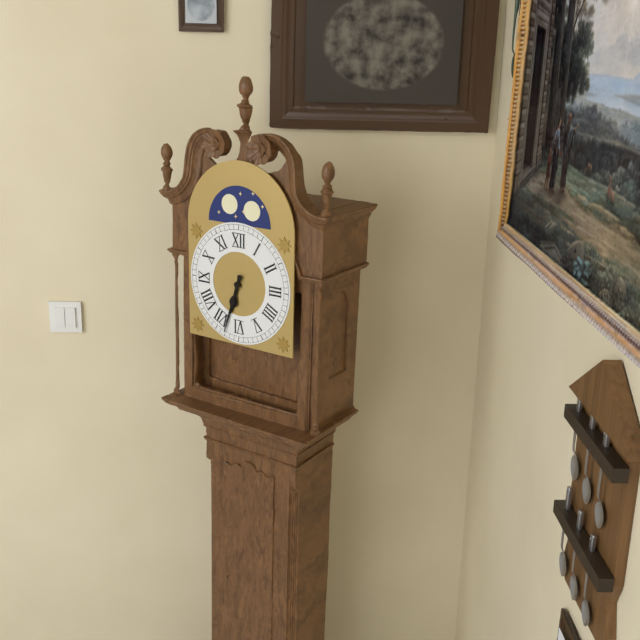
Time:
h=6 m=33
